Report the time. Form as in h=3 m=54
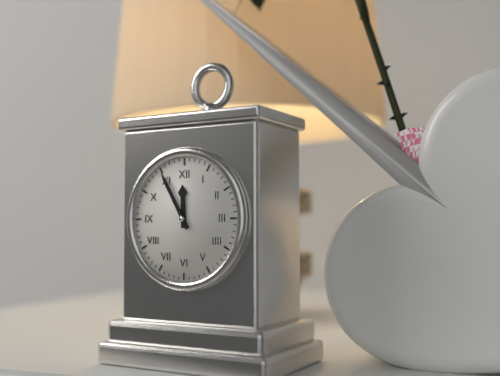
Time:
h=11 m=55
